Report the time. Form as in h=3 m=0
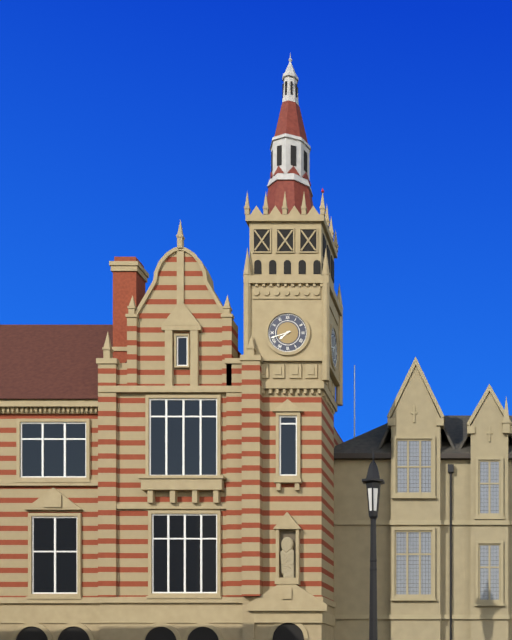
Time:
h=7 m=42
